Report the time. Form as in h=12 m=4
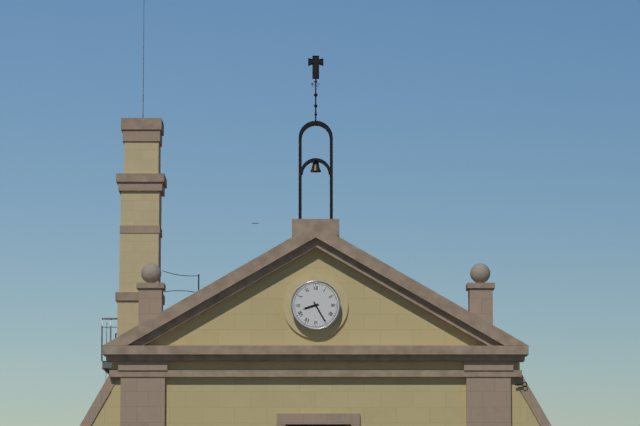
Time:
h=8 m=25
